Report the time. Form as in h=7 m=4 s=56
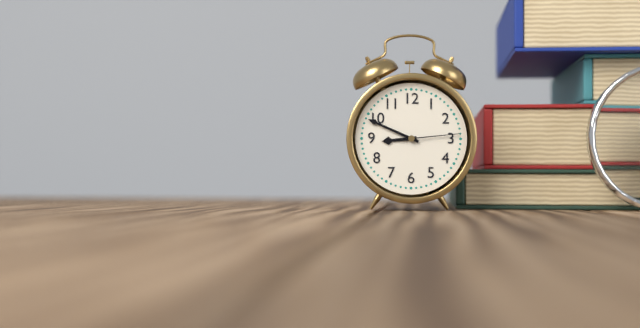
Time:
h=8 m=49 s=14
